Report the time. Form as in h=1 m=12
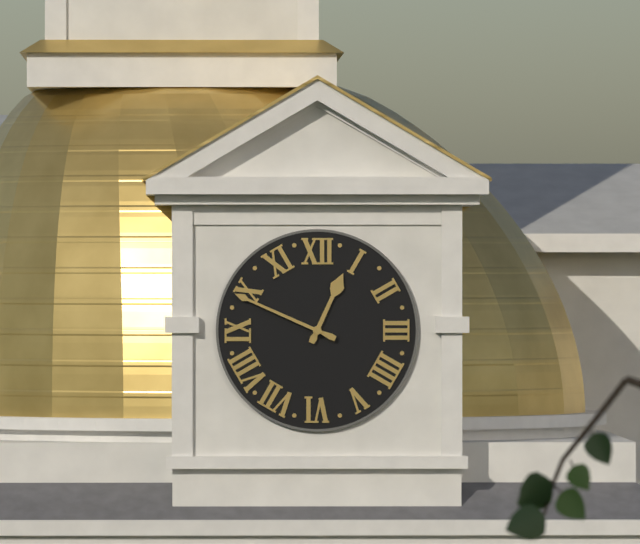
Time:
h=12 m=49
